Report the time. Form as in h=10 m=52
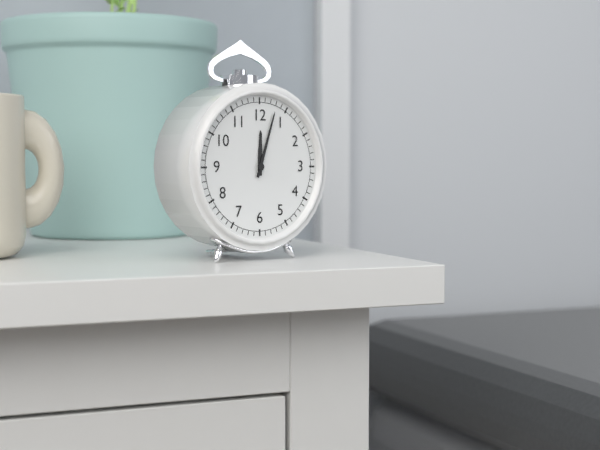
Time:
h=12 m=3
